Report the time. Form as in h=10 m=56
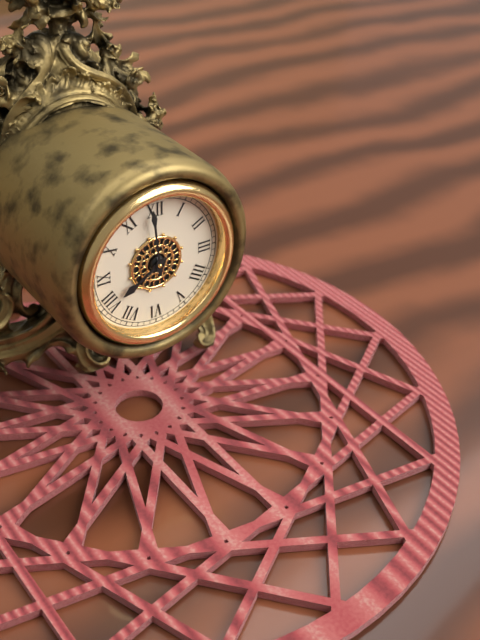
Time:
h=7 m=59
